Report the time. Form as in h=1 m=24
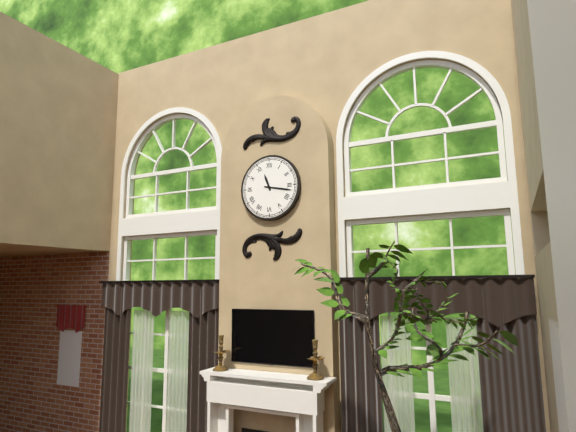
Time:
h=11 m=17
